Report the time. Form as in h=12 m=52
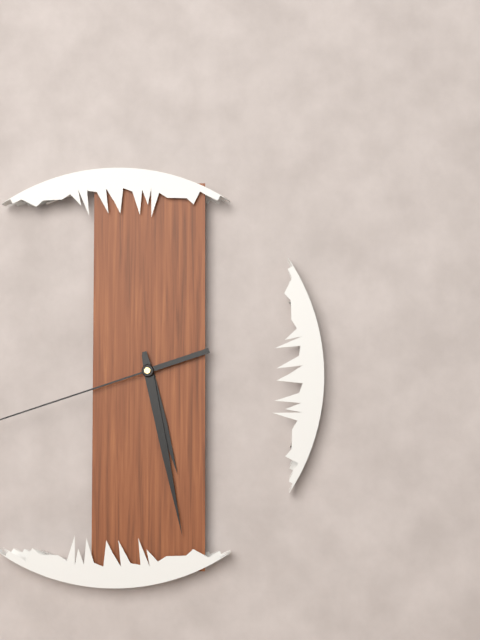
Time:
h=5 m=28
